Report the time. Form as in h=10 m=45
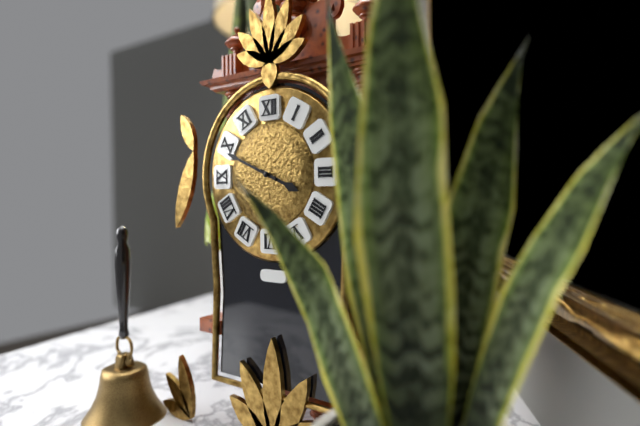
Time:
h=3 m=49
